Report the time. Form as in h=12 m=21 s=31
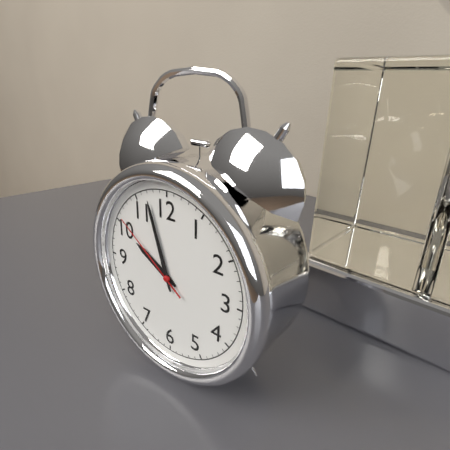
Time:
h=9 m=57 s=51
